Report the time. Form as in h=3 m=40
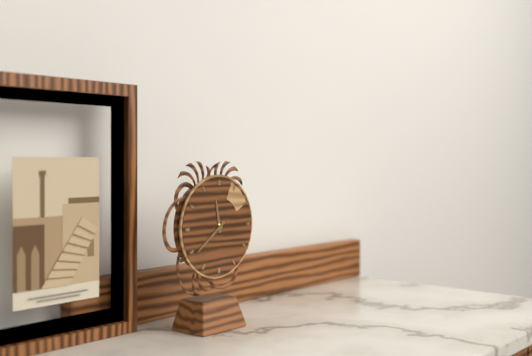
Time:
h=11 m=39
